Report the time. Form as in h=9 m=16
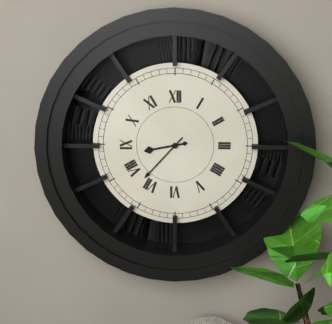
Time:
h=8 m=37
